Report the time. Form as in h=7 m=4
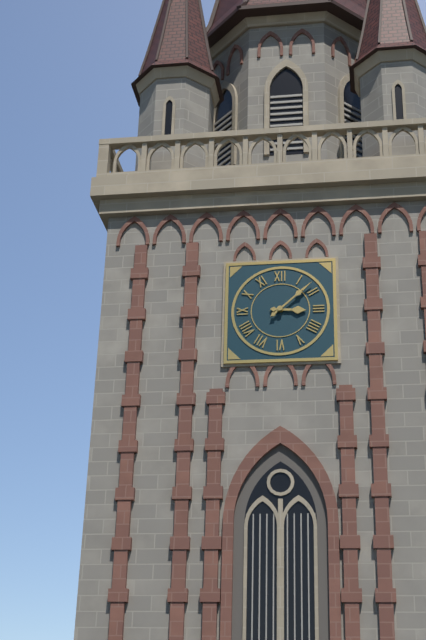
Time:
h=3 m=8
